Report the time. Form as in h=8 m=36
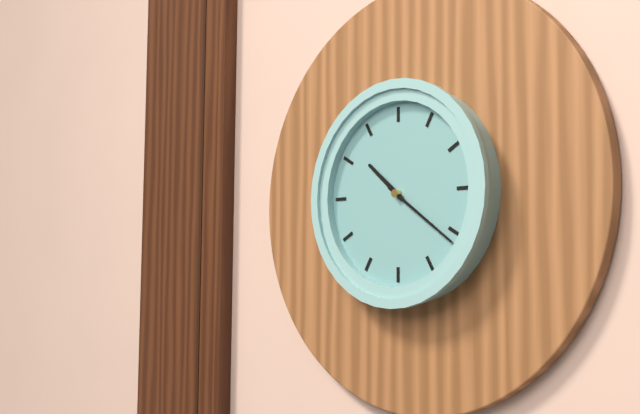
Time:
h=10 m=21
